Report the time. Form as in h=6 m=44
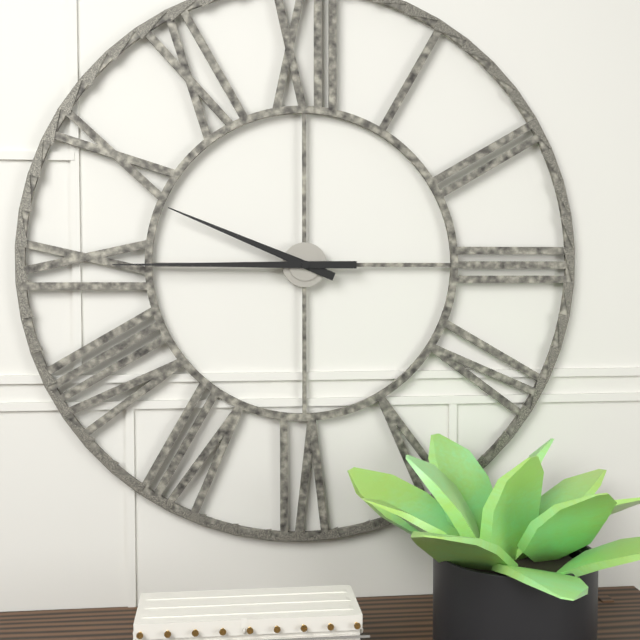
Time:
h=9 m=45
